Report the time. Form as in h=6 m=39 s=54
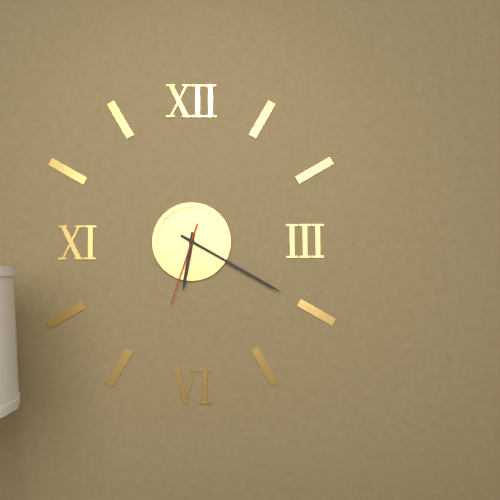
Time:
h=6 m=20 s=33
